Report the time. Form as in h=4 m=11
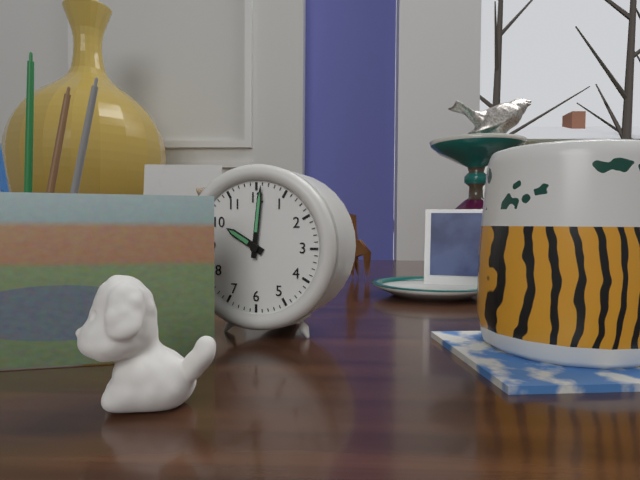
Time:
h=10 m=1
